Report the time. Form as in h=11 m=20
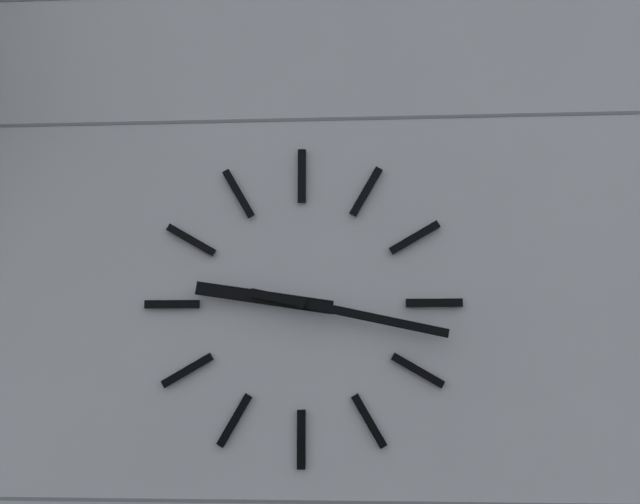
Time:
h=9 m=17
